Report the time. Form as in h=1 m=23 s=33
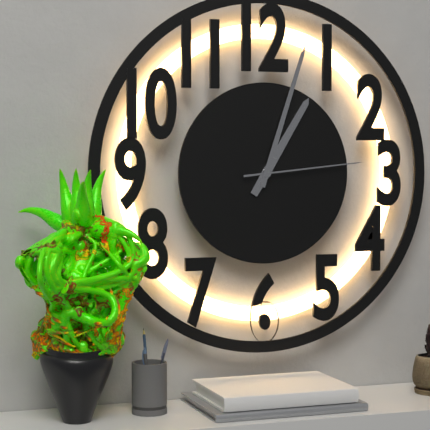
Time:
h=1 m=3 s=14
